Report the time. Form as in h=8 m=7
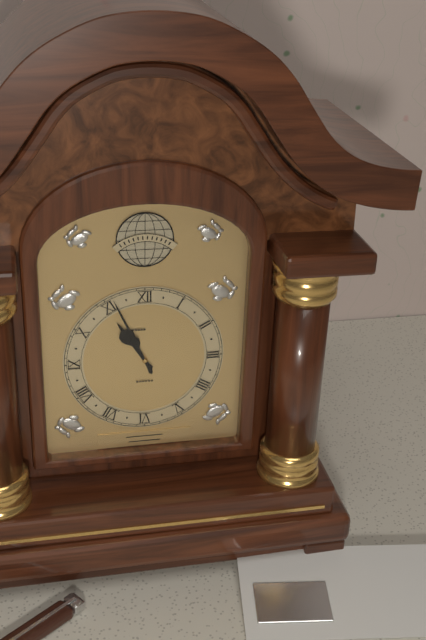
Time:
h=10 m=56
